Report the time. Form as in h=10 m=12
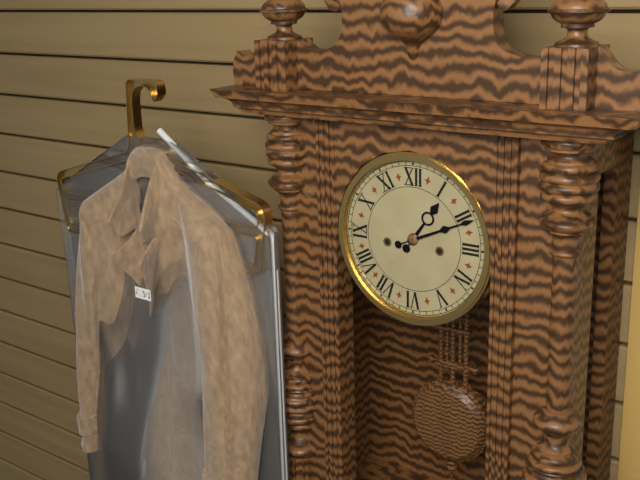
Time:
h=1 m=11
